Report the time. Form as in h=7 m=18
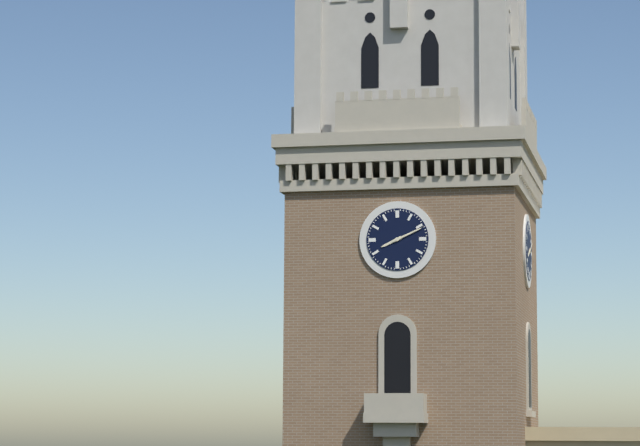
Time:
h=8 m=11
